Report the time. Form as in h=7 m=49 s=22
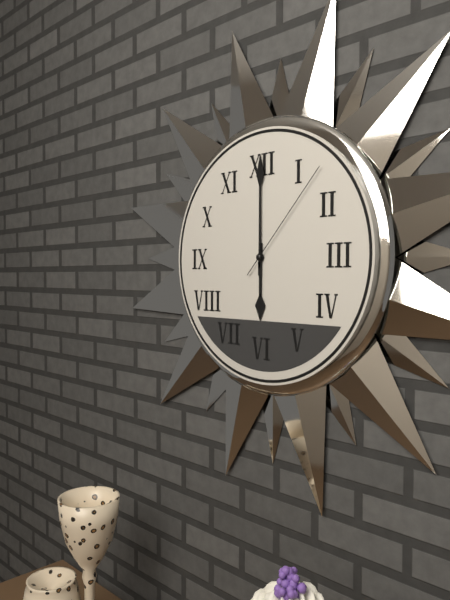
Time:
h=6 m=0 s=7
